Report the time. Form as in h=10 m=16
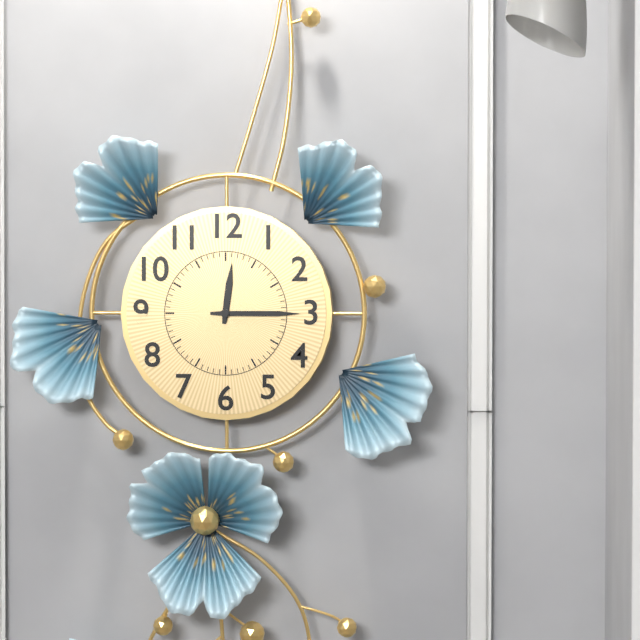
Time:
h=12 m=15
